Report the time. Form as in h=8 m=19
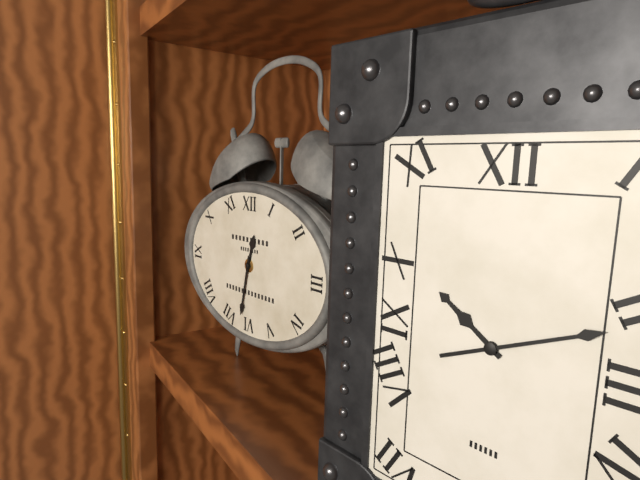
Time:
h=12 m=32
